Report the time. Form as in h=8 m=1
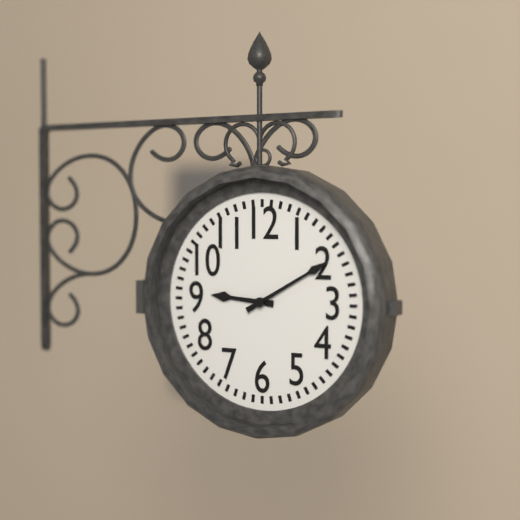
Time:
h=9 m=10
